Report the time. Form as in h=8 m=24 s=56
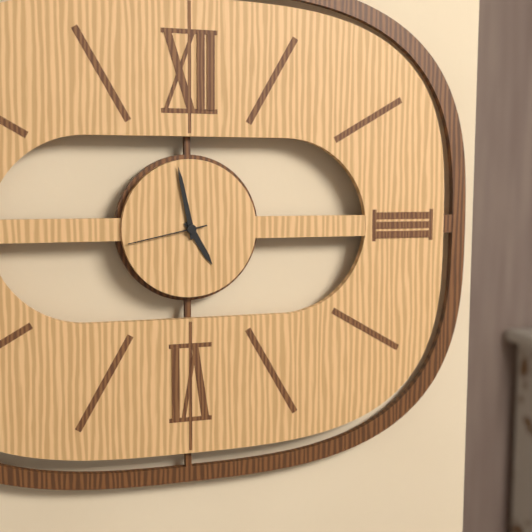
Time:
h=4 m=58 s=43
